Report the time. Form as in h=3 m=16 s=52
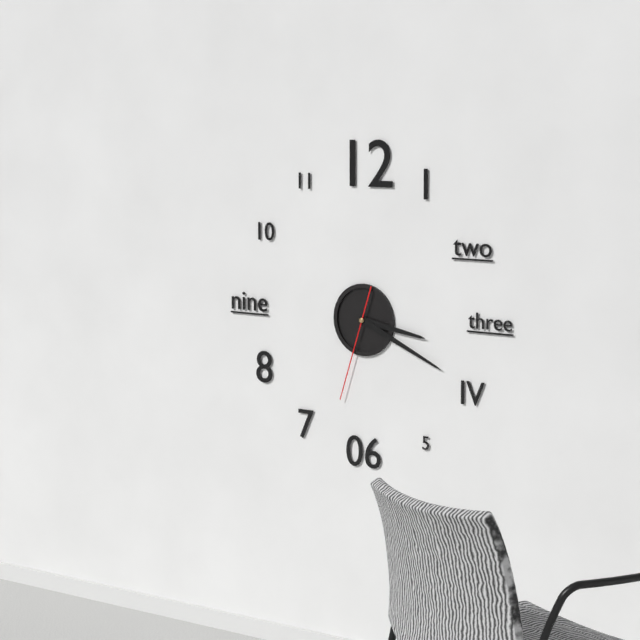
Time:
h=3 m=19 s=33
